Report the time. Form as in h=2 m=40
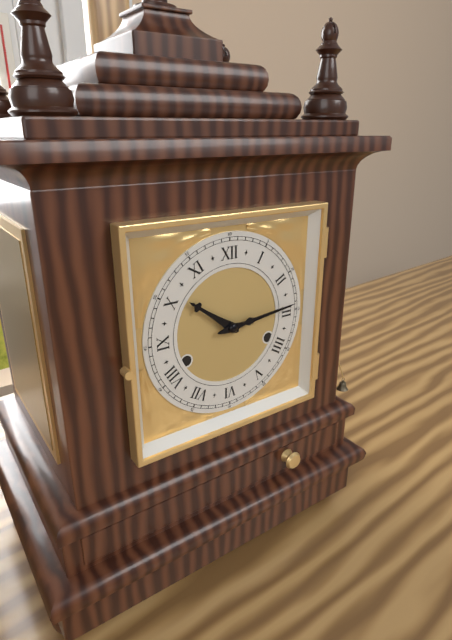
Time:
h=10 m=14
